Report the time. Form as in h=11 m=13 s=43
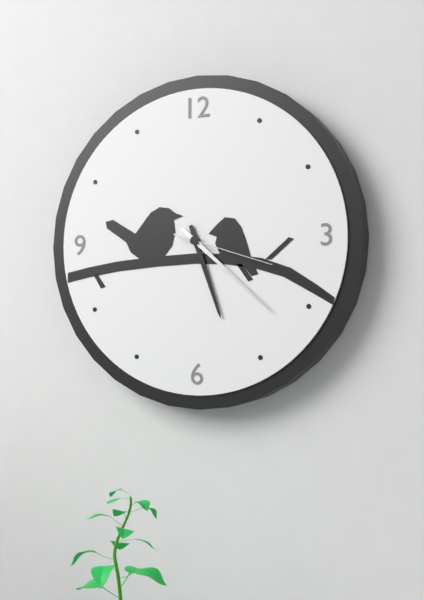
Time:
h=5 m=22 s=18
